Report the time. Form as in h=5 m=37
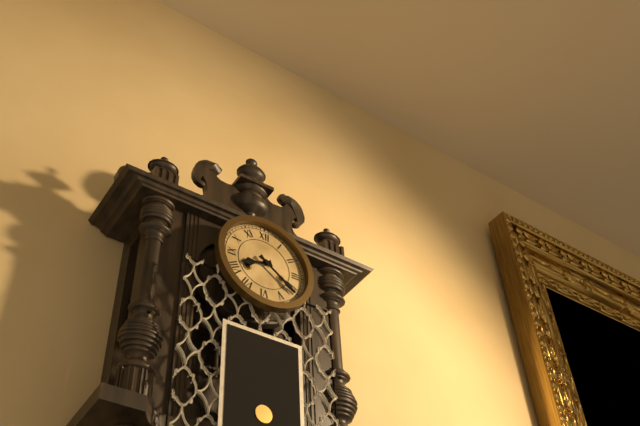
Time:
h=8 m=21
